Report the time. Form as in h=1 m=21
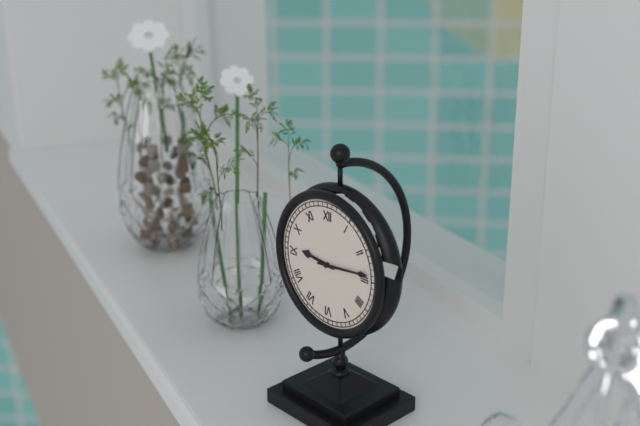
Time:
h=9 m=14
